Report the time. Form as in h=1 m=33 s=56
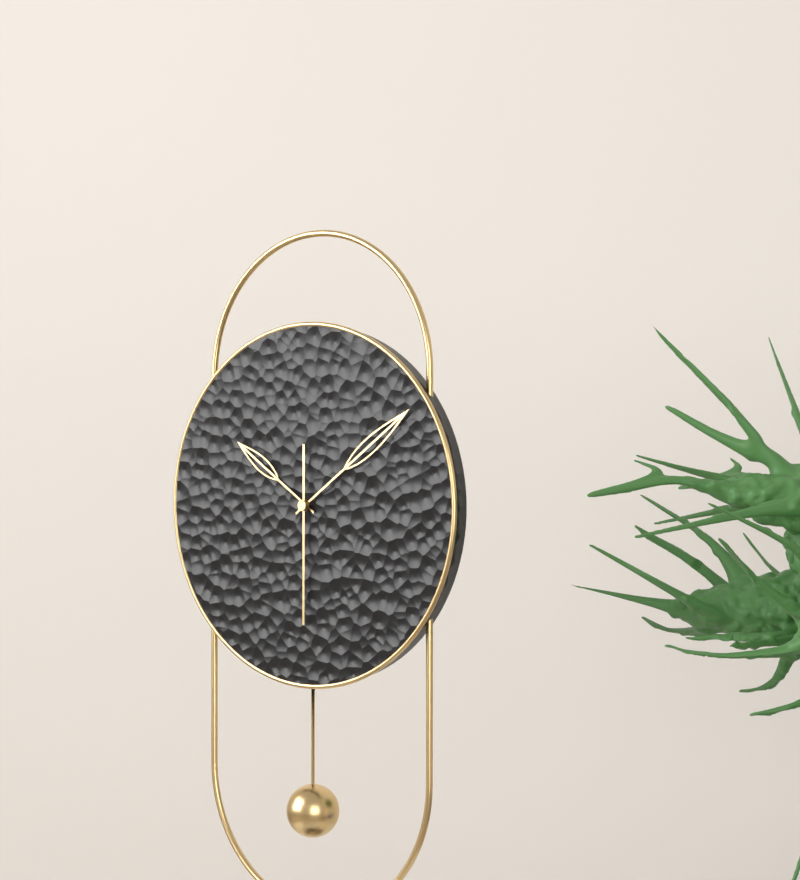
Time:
h=10 m=9 s=30
